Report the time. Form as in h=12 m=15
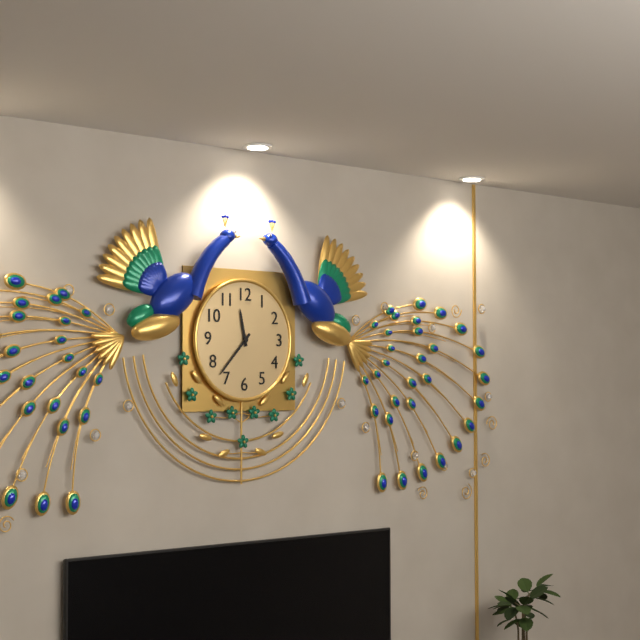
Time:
h=11 m=37
